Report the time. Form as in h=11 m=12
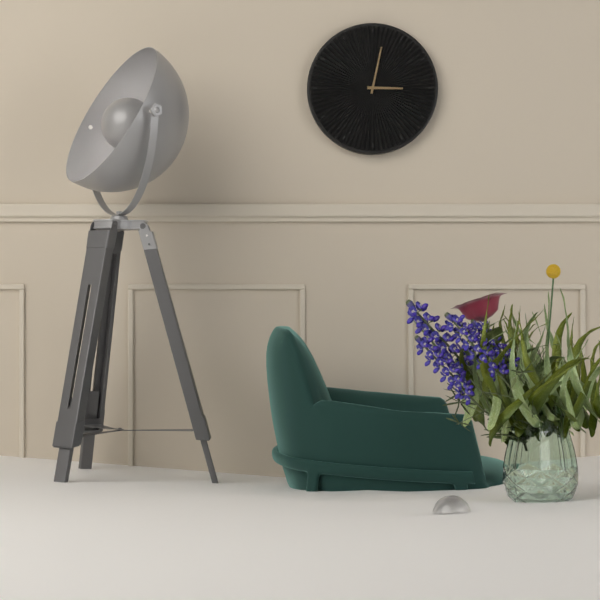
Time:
h=3 m=2
